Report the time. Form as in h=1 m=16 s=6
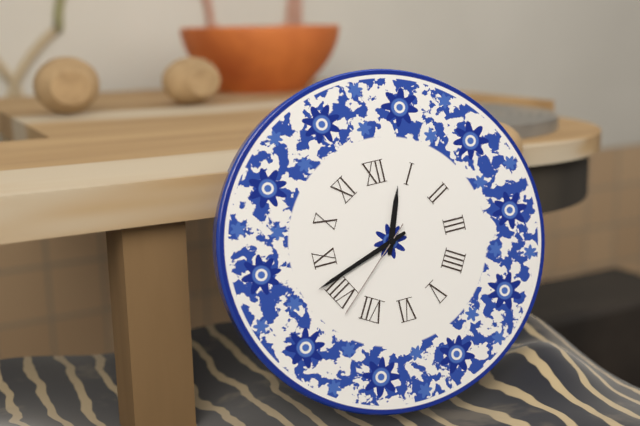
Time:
h=12 m=42 s=38
